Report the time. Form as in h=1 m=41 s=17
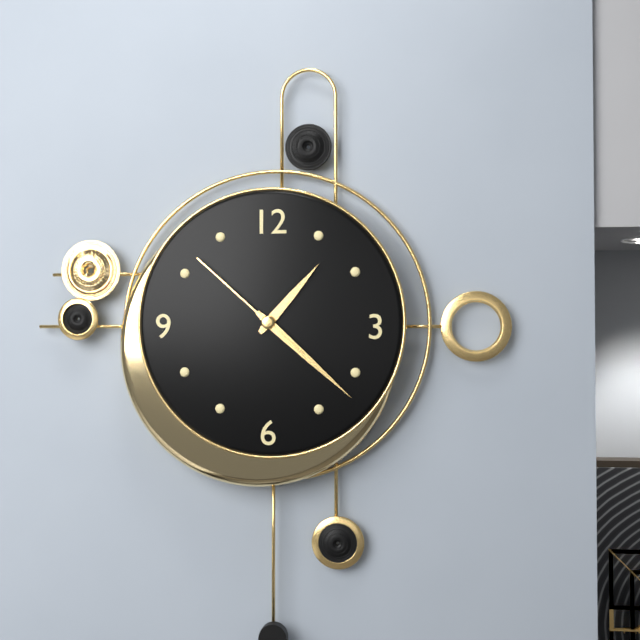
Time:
h=1 m=22 s=52
